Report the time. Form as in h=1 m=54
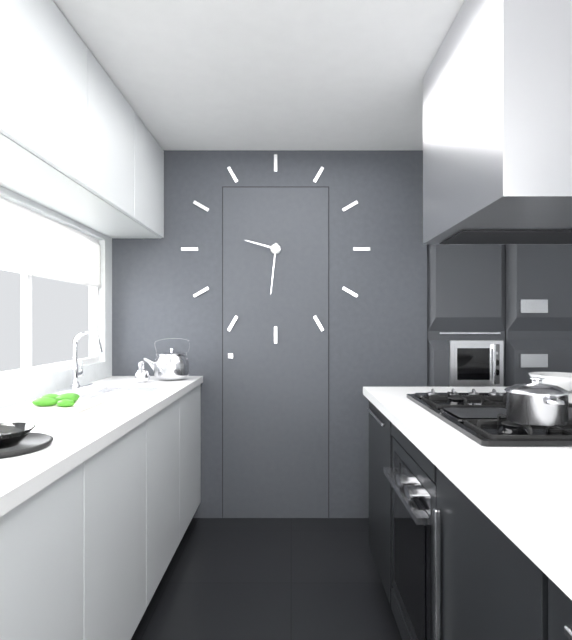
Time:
h=9 m=31
